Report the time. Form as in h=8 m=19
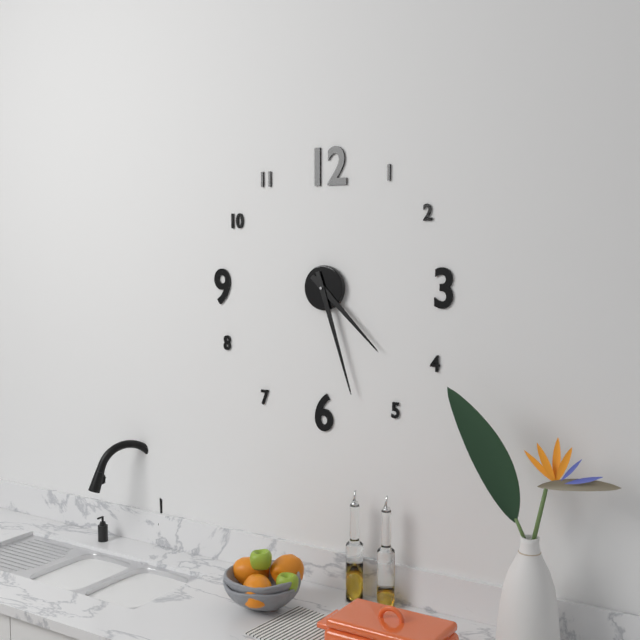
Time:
h=4 m=27
